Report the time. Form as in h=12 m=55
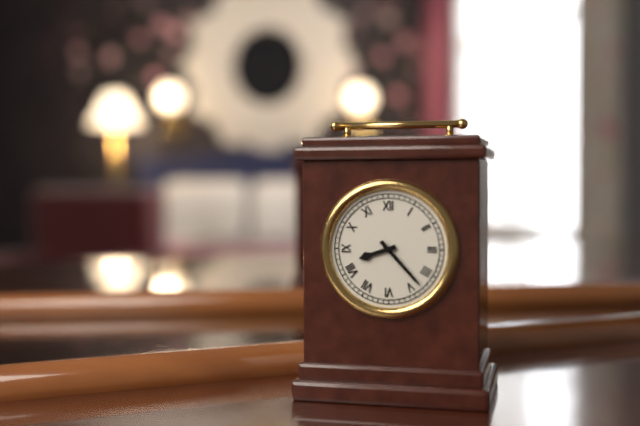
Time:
h=8 m=23
